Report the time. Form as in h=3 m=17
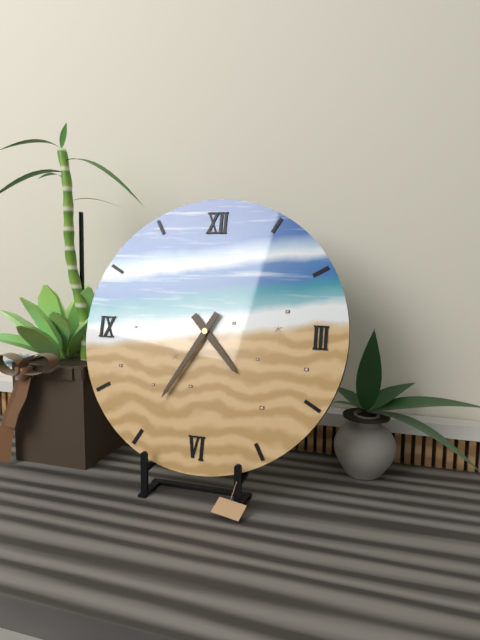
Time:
h=4 m=35
